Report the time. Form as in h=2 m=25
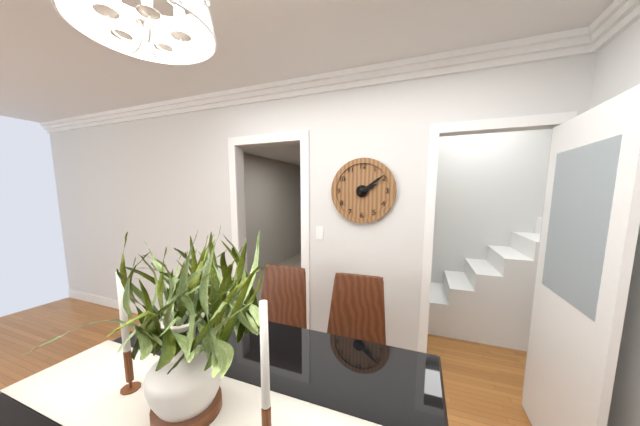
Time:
h=2 m=9
